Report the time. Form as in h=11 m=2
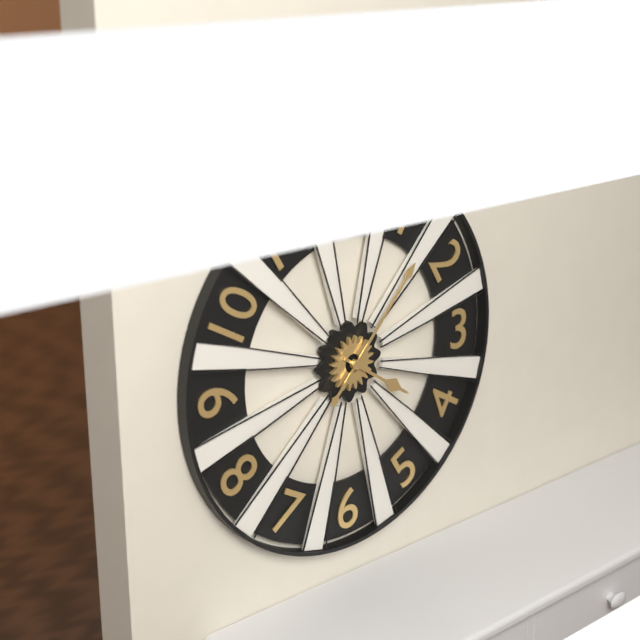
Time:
h=4 m=7
